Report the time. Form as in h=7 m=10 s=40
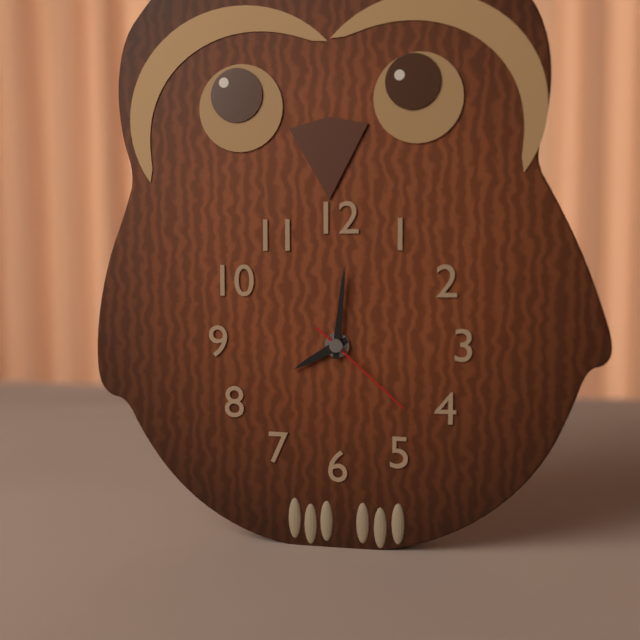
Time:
h=8 m=1 s=22
